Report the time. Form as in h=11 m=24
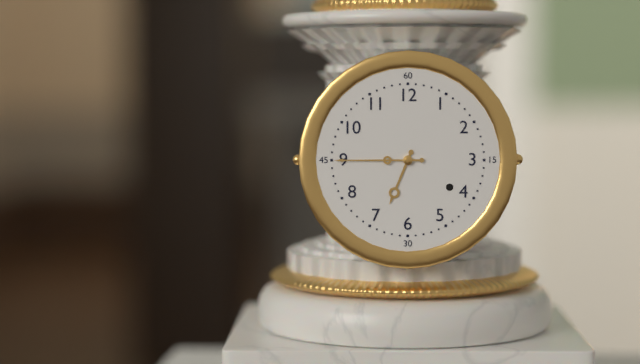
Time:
h=6 m=45
